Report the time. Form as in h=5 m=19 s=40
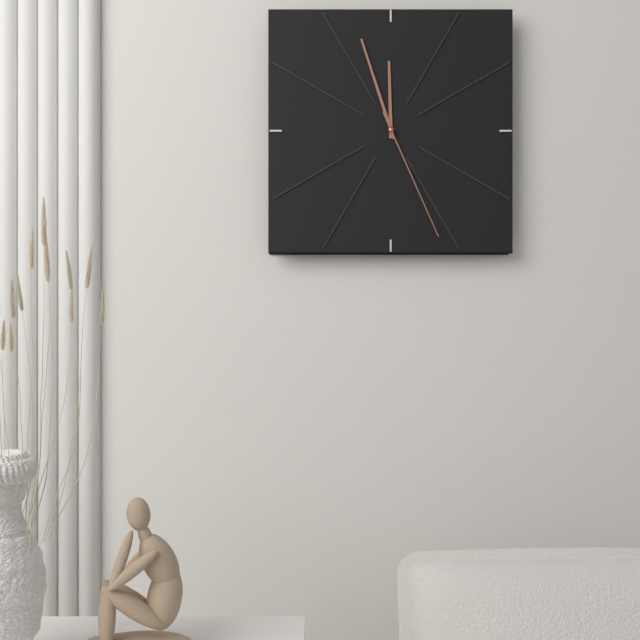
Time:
h=11 m=57 s=26
